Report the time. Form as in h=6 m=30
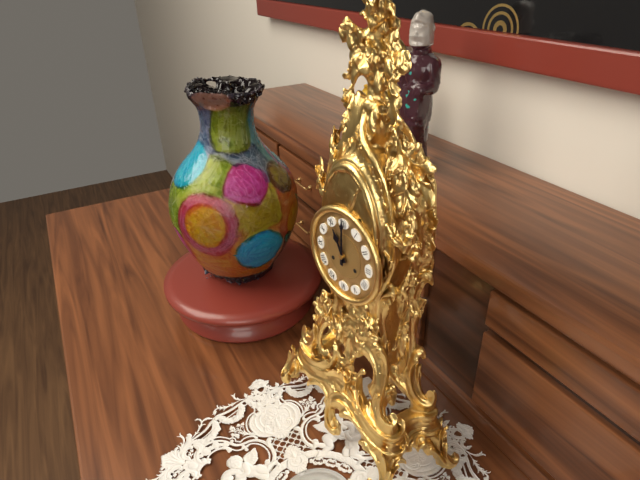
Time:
h=11 m=0
